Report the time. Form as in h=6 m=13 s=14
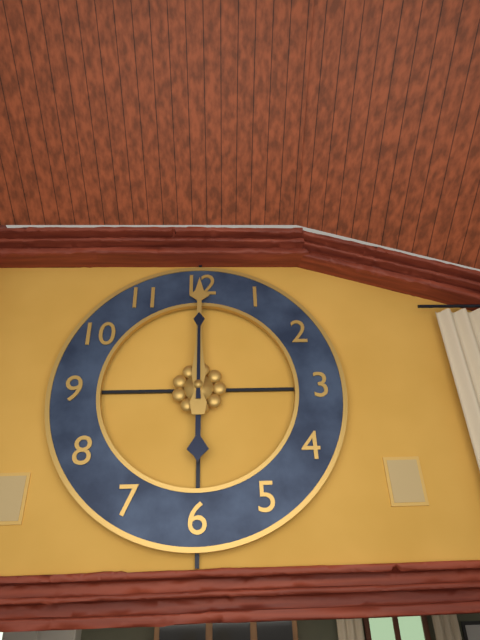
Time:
h=6 m=0 s=0
